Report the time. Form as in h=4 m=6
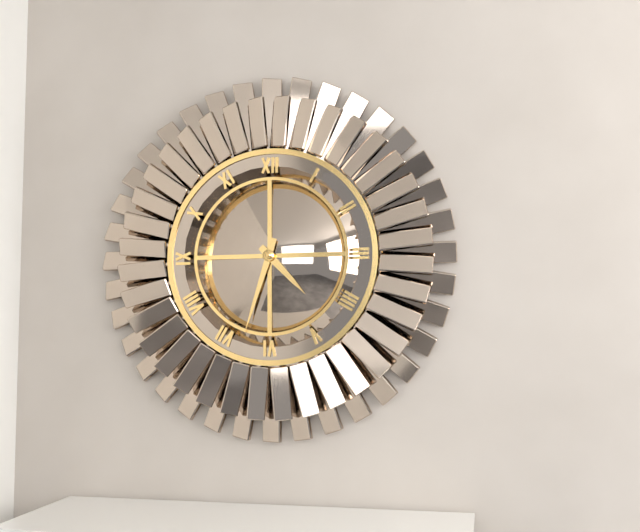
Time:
h=4 m=33
